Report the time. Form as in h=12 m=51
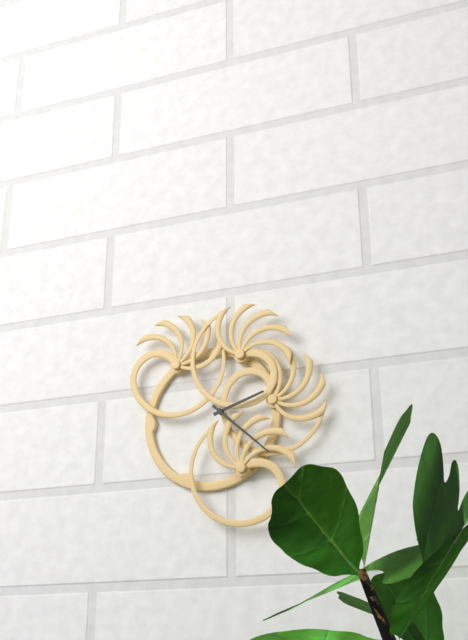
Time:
h=2 m=22
